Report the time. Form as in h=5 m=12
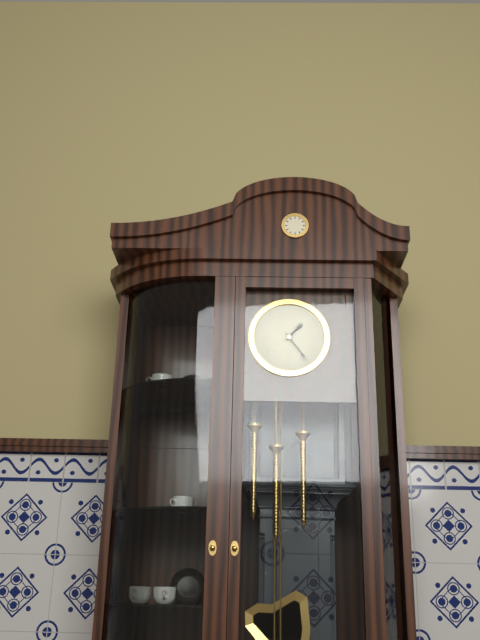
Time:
h=1 m=24
